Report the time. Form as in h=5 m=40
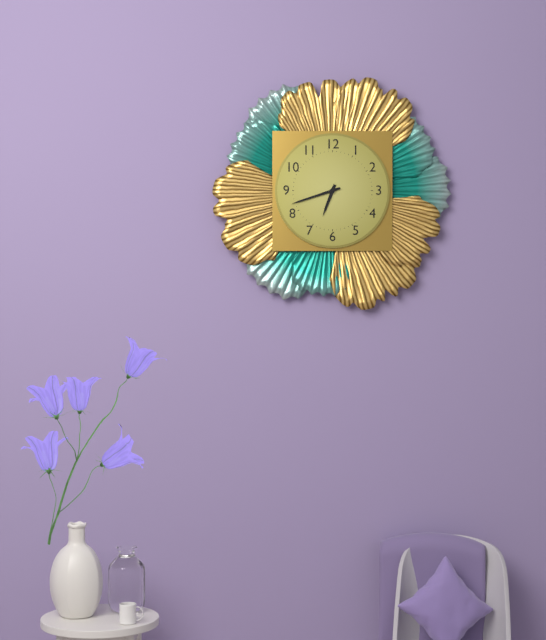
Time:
h=6 m=42
